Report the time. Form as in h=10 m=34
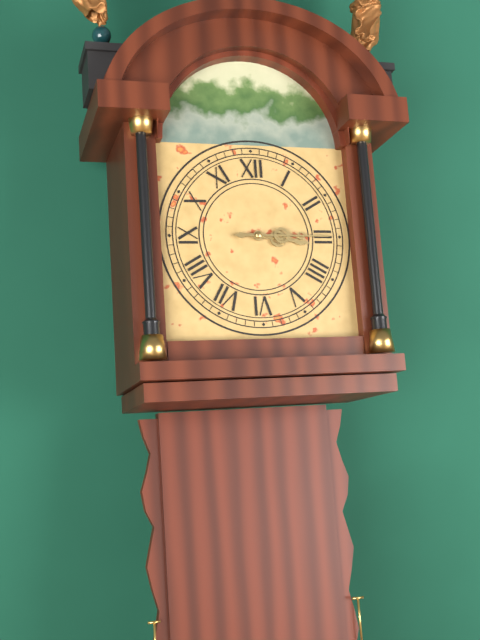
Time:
h=3 m=15
